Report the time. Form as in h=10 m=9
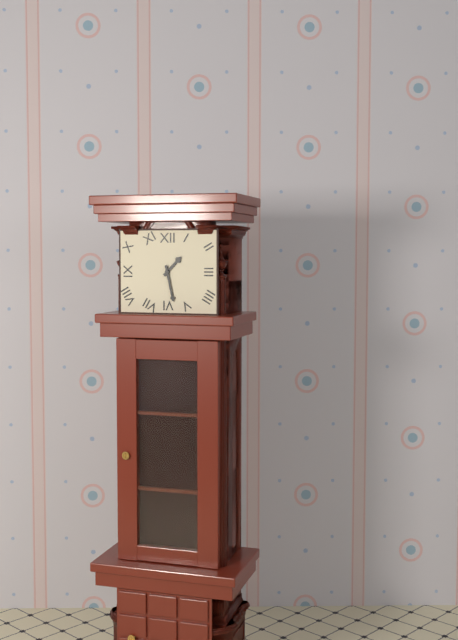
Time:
h=1 m=28
